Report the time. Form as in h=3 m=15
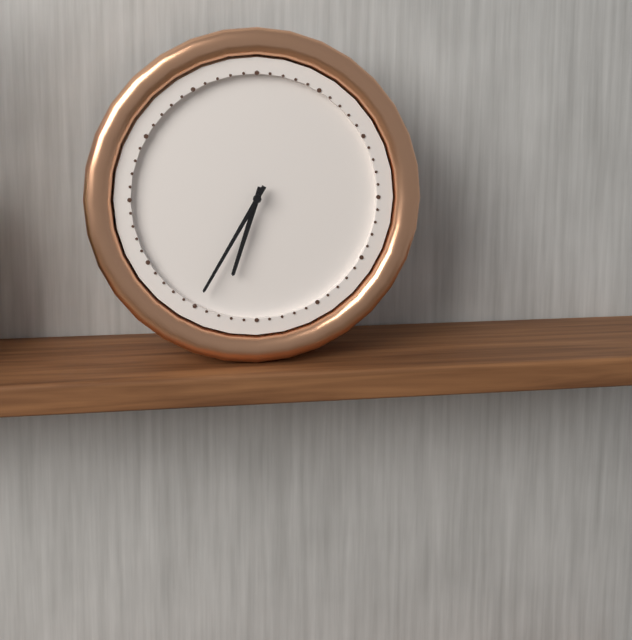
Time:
h=6 m=35
